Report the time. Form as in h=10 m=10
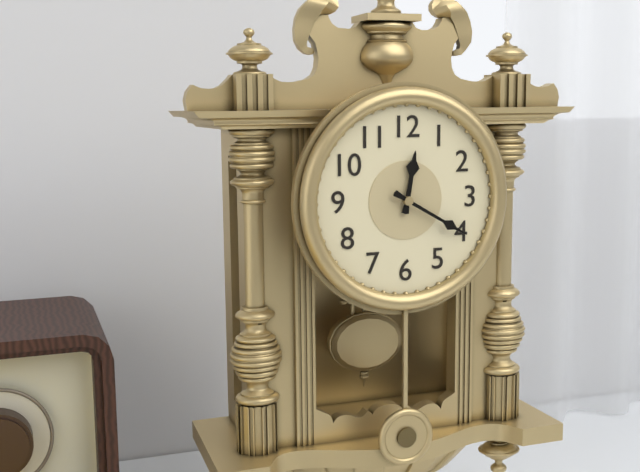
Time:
h=12 m=20
